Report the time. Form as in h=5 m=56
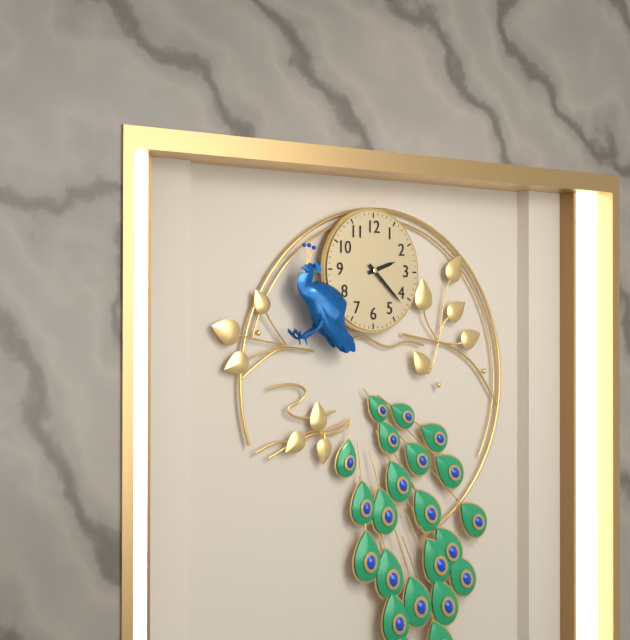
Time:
h=2 m=22
